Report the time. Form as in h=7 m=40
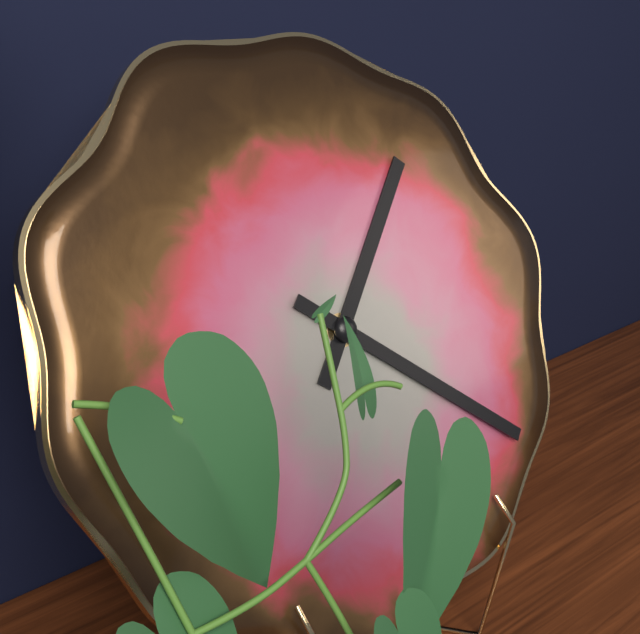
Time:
h=1 m=22
